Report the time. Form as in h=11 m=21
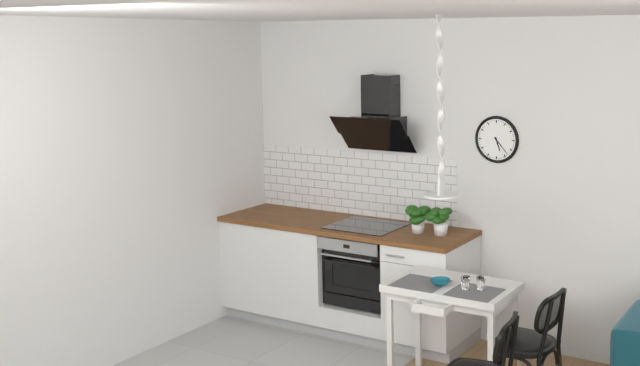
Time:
h=5 m=23
